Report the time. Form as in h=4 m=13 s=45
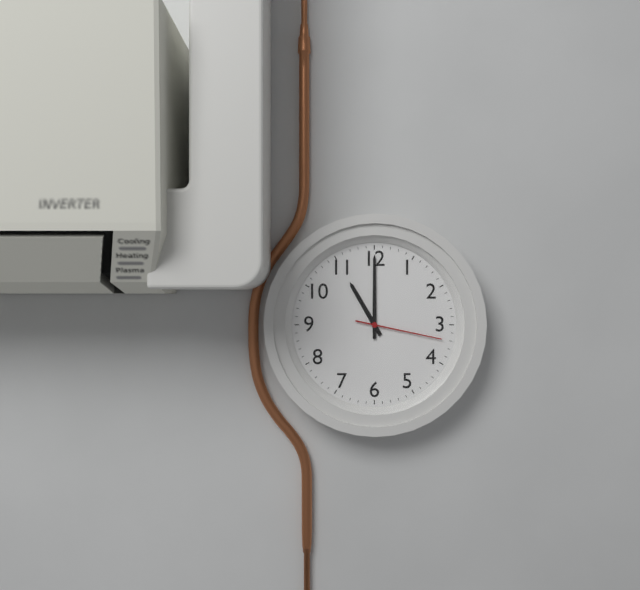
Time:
h=11 m=0 s=17
